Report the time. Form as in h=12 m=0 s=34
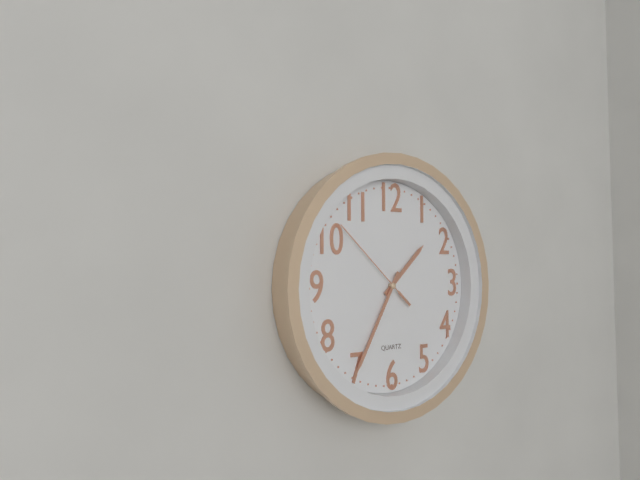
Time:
h=1 m=35 s=52
